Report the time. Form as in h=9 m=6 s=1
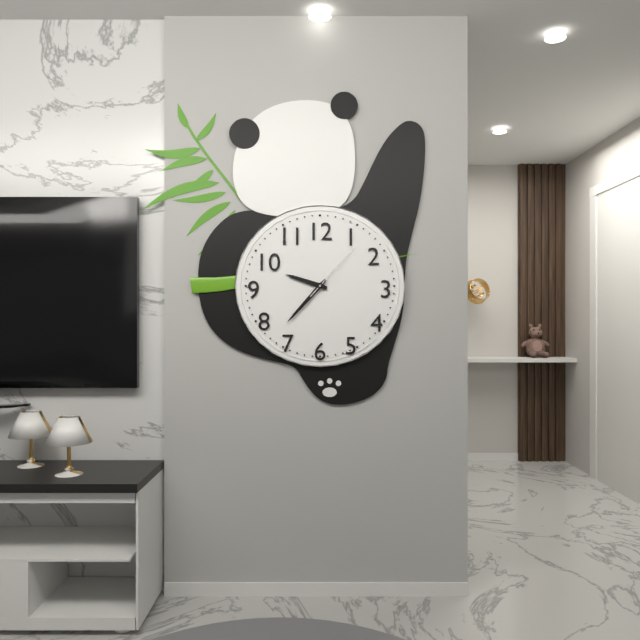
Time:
h=9 m=37 s=7
